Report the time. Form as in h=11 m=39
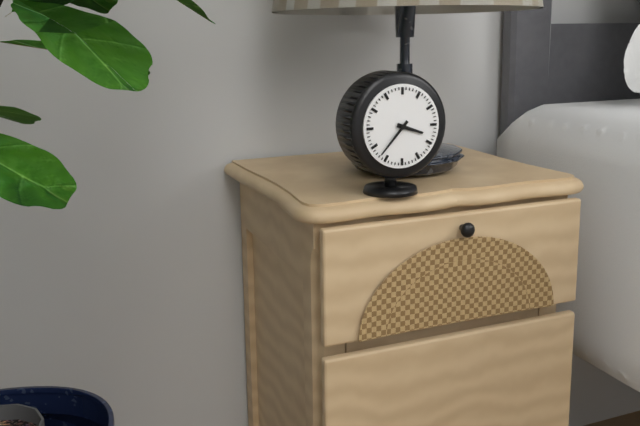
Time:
h=3 m=37
